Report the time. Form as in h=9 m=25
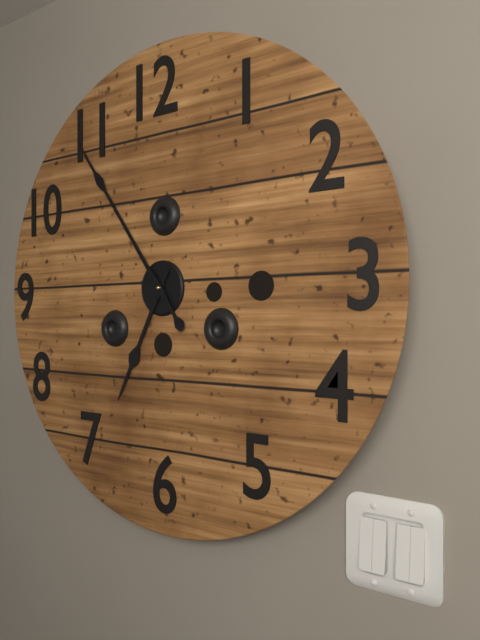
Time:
h=6 m=54
